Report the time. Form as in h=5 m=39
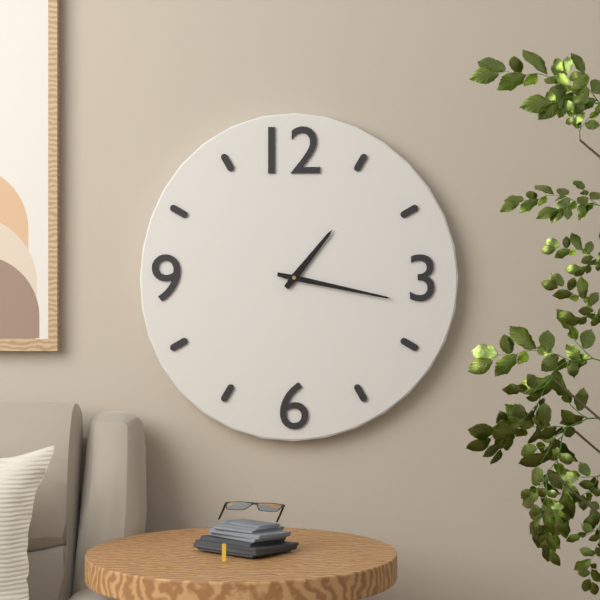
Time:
h=1 m=17
